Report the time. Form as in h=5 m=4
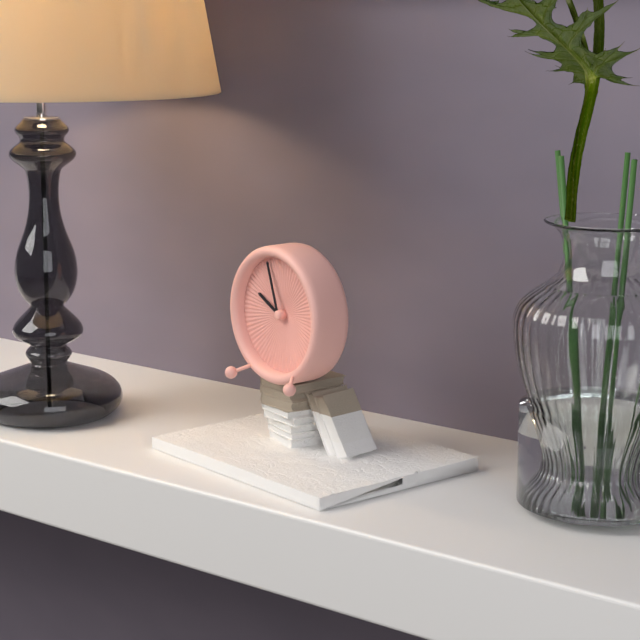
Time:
h=9 m=57
